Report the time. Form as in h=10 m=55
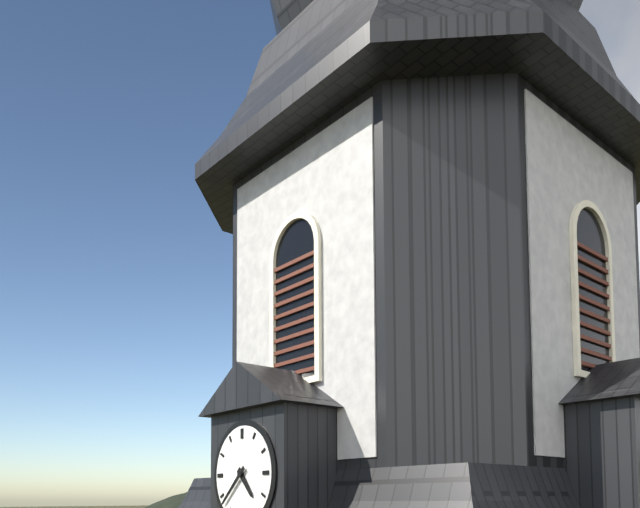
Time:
h=4 m=38
